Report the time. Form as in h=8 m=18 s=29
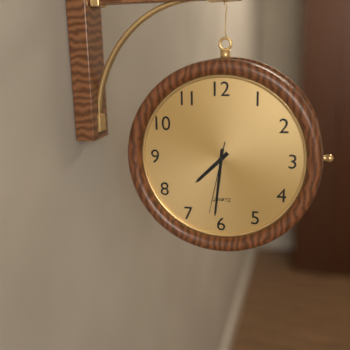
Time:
h=7 m=31 s=32
